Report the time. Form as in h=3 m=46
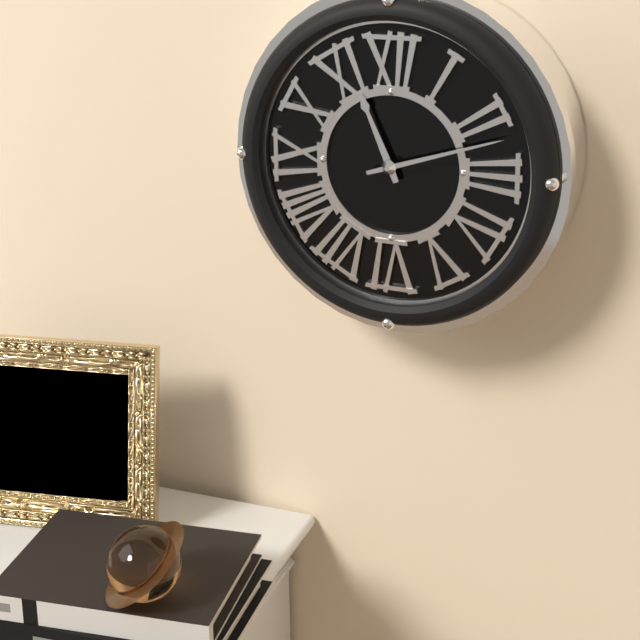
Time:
h=11 m=12
